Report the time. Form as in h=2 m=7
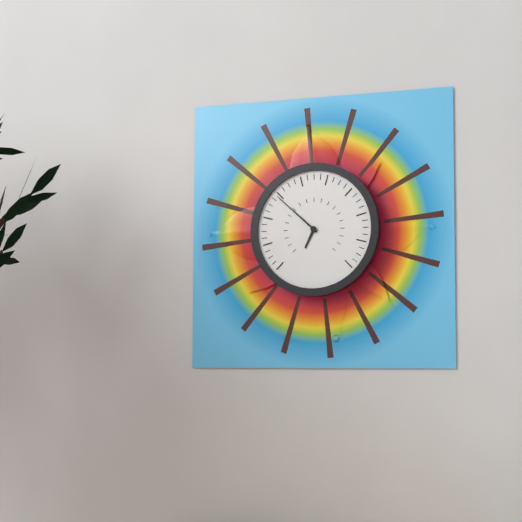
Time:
h=6 m=52
